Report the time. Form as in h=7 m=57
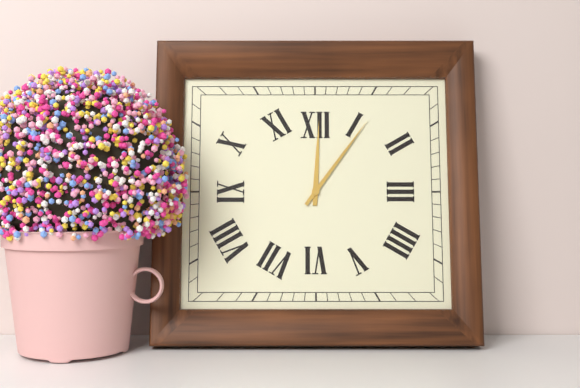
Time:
h=12 m=6
